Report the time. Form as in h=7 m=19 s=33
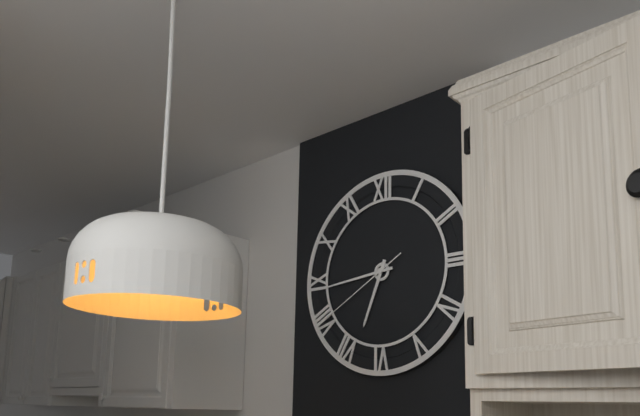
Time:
h=6 m=44 s=40
